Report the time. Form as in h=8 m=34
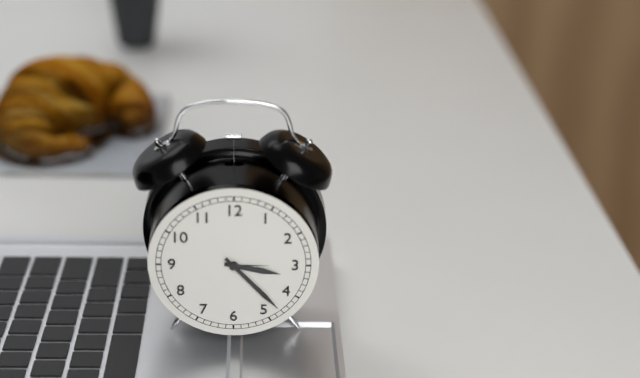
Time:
h=3 m=23
